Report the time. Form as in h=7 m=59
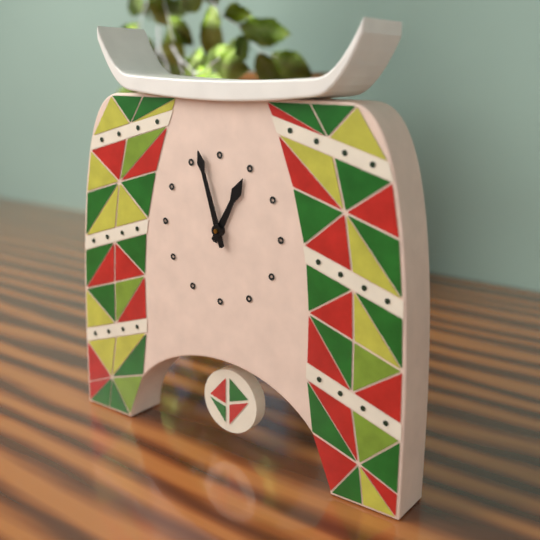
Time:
h=12 m=57
